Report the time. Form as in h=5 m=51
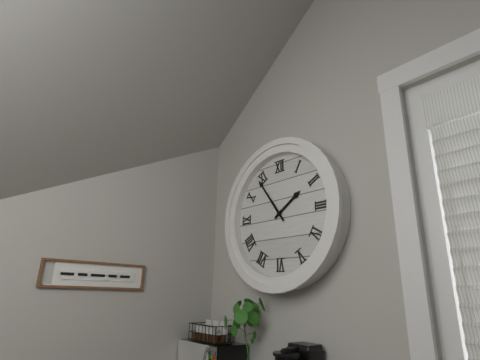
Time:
h=1 m=54
